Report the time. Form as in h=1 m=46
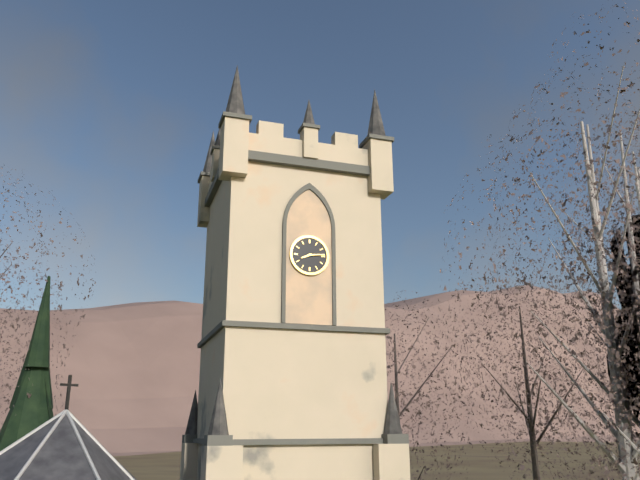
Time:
h=8 m=14
